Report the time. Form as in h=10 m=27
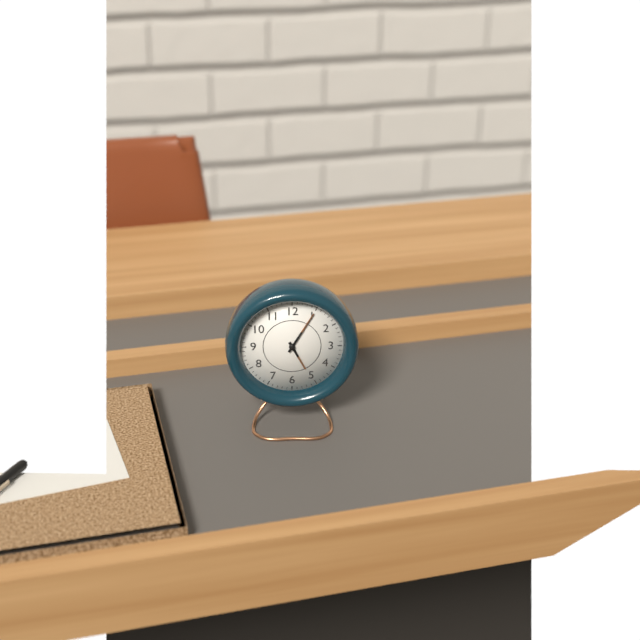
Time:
h=5 m=5
